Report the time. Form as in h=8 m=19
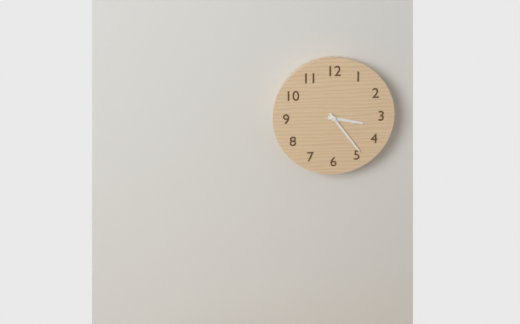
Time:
h=3 m=24
